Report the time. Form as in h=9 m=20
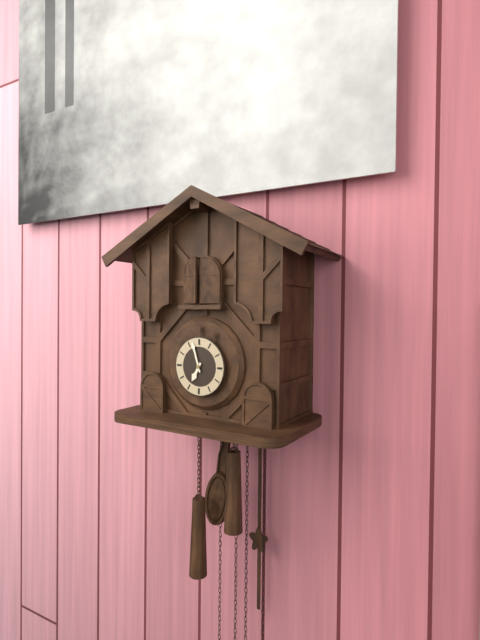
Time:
h=6 m=57
